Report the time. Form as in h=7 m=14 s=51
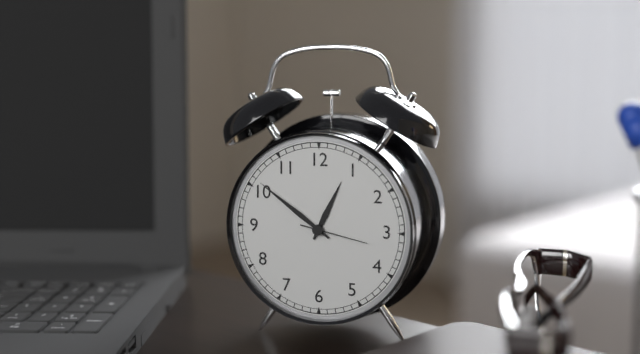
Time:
h=12 m=51 s=17
